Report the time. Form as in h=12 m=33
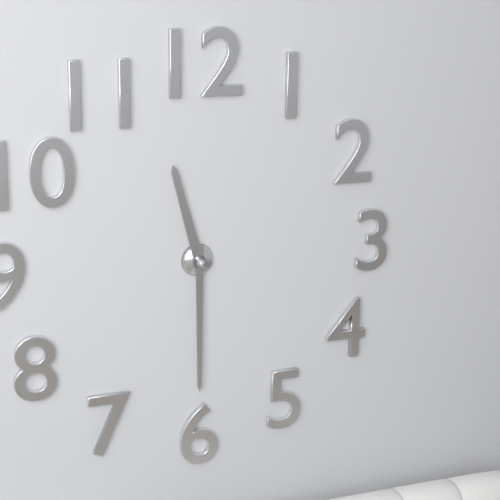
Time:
h=11 m=30
